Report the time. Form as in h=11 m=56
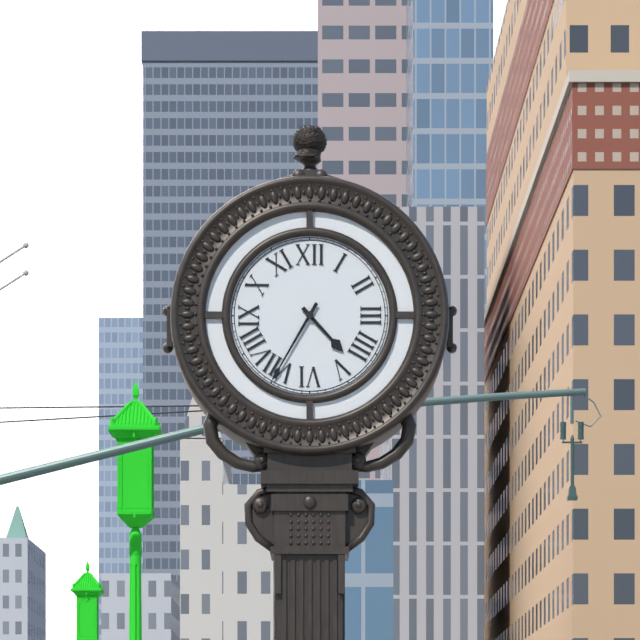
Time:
h=4 m=35
